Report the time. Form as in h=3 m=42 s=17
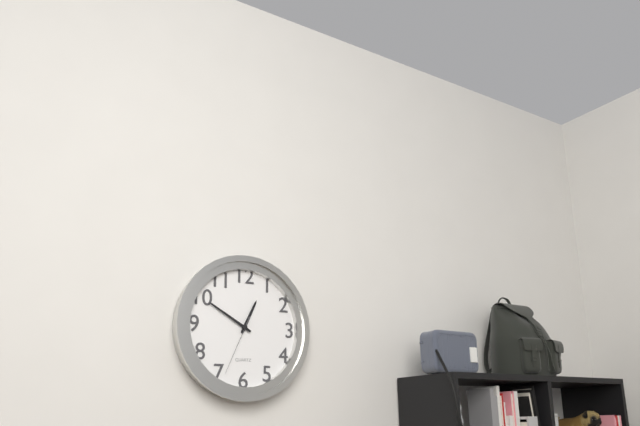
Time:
h=12 m=50 s=34
